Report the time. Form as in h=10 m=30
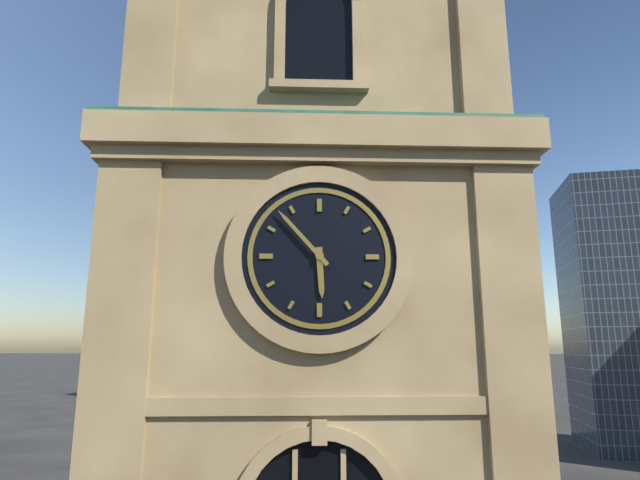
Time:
h=5 m=53
